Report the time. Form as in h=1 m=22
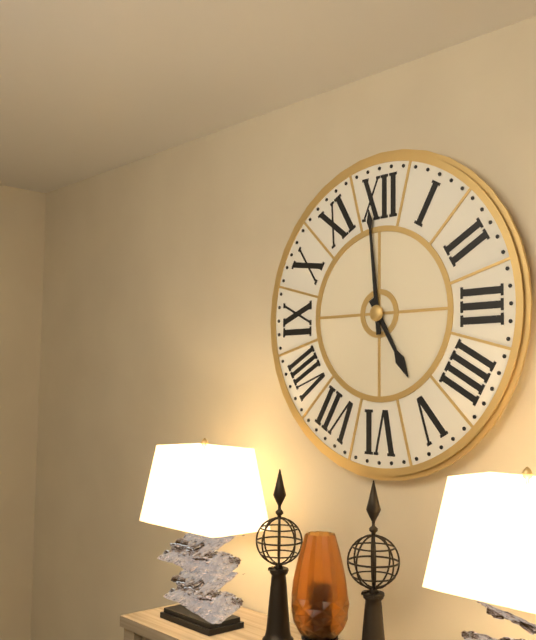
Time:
h=4 m=59
